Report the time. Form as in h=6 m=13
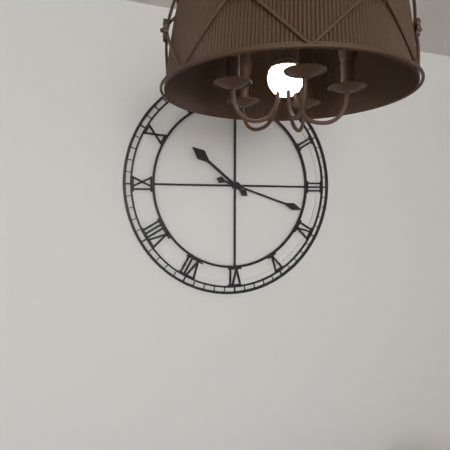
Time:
h=10 m=18
